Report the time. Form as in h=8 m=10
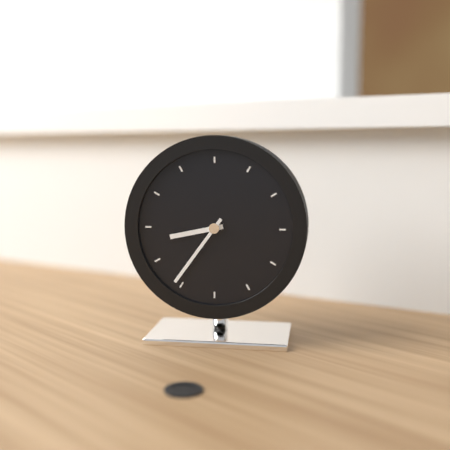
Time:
h=8 m=36
